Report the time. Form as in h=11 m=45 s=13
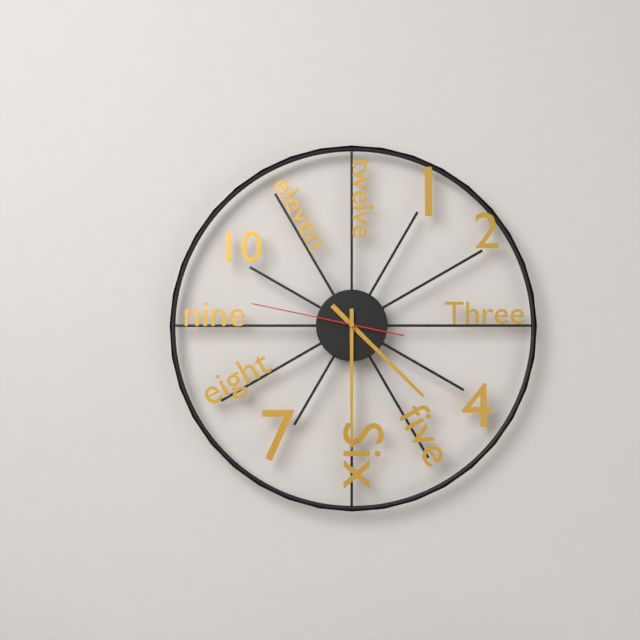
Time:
h=4 m=30 s=47
